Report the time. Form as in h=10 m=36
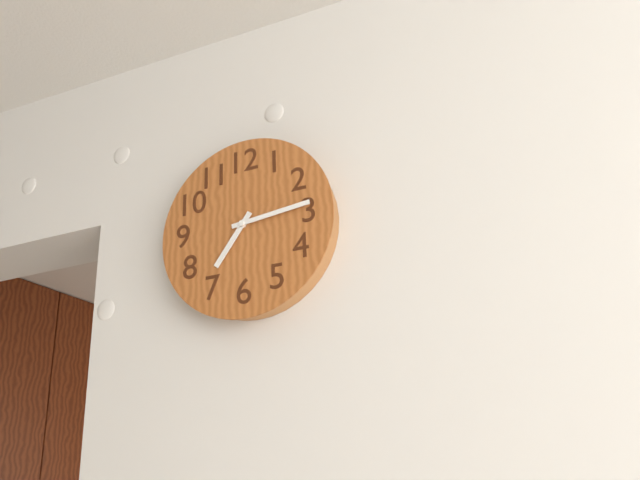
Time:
h=7 m=14
